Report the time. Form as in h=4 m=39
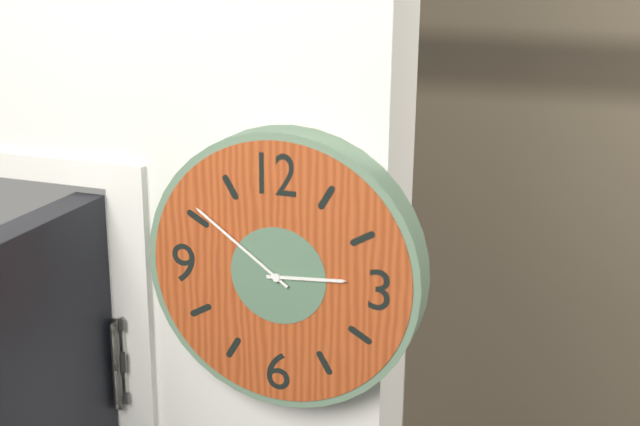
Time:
h=2 m=51
